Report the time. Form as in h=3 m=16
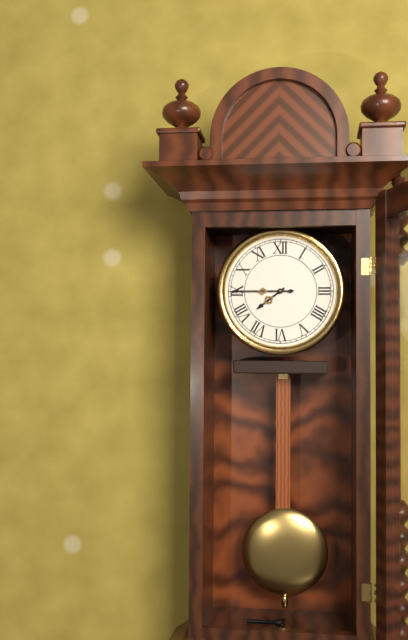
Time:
h=7 m=45
